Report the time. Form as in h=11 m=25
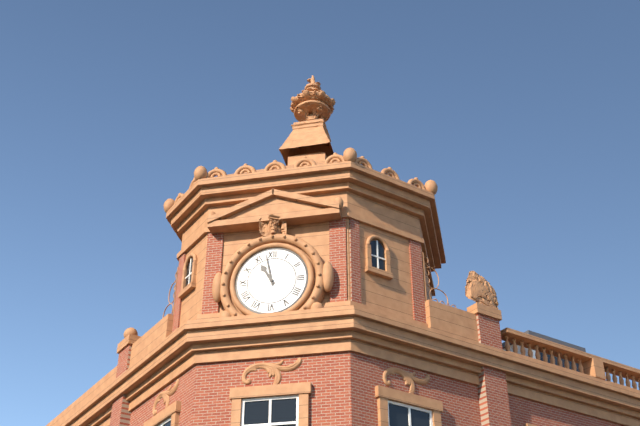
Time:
h=10 m=58
